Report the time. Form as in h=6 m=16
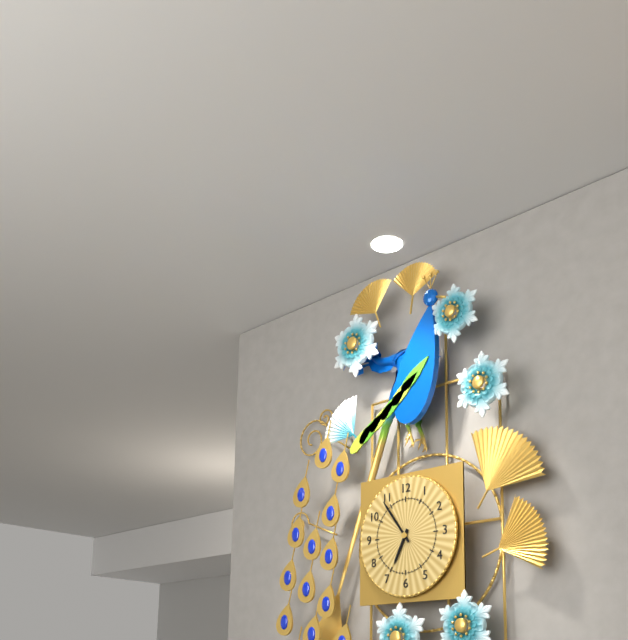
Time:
h=6 m=54
